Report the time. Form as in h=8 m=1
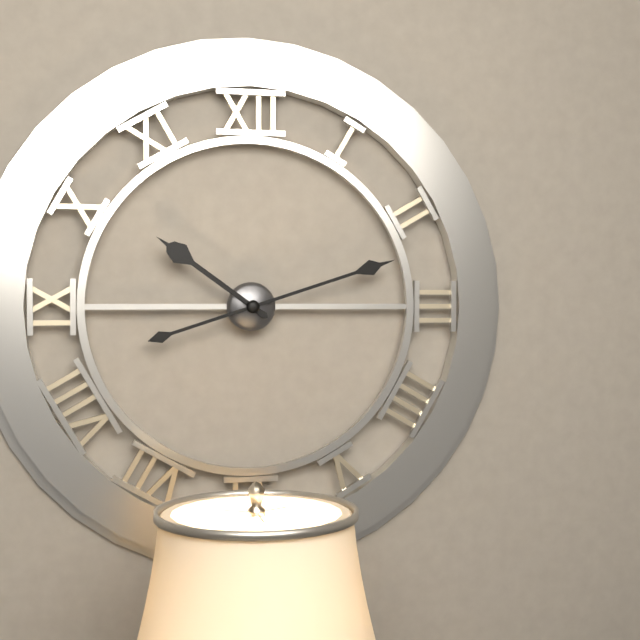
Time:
h=10 m=12
